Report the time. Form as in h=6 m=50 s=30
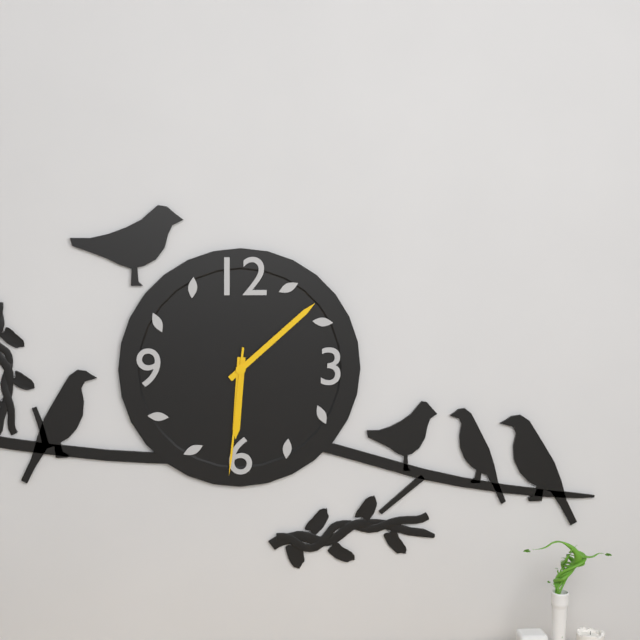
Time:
h=6 m=8 s=31
